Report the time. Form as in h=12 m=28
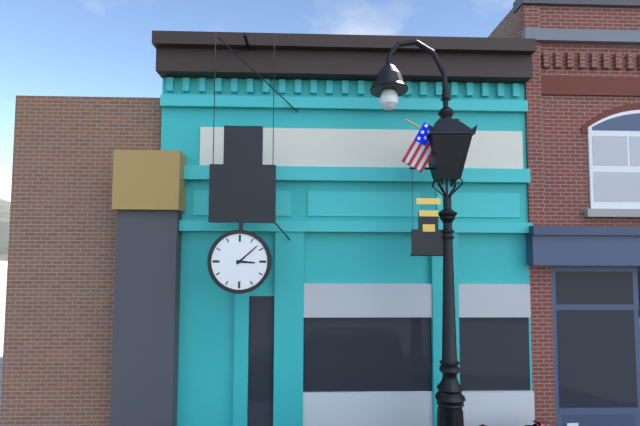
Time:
h=3 m=8
